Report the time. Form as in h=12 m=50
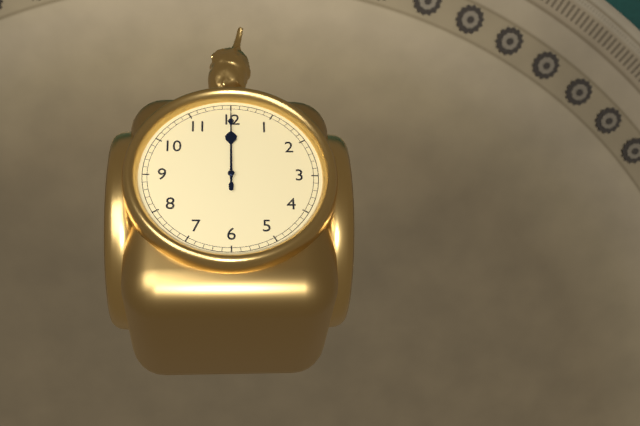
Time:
h=12 m=0
